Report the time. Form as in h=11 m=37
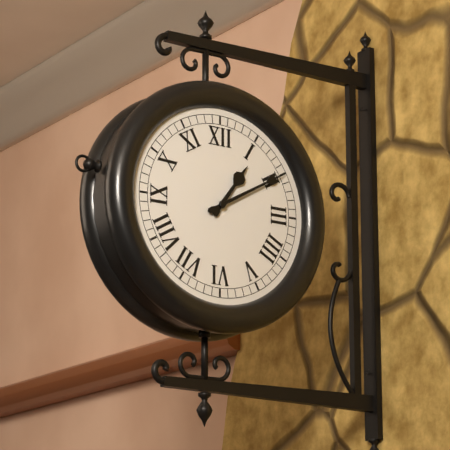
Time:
h=1 m=10
